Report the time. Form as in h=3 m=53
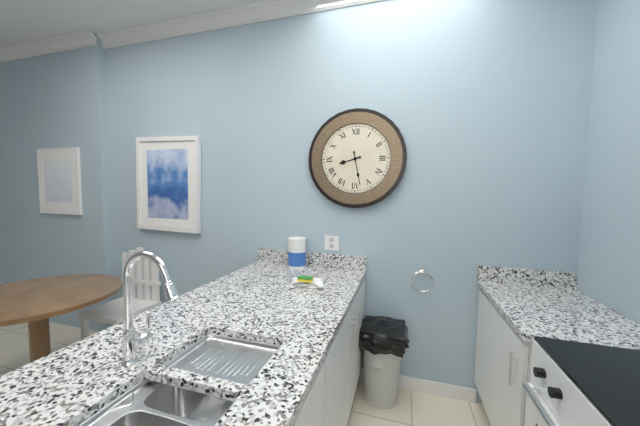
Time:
h=8 m=28
